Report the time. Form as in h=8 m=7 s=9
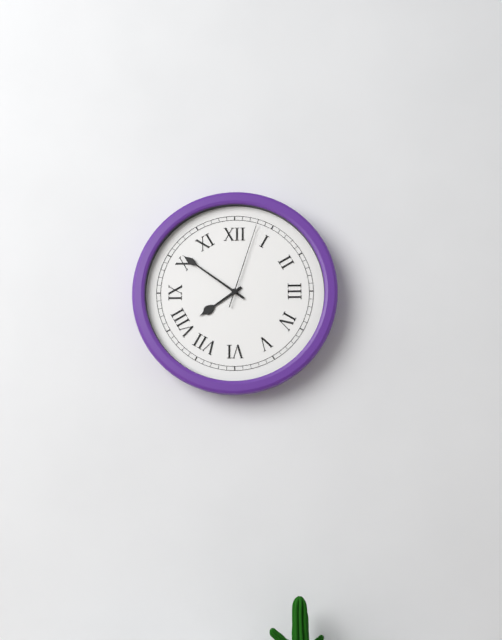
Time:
h=7 m=51 s=3
